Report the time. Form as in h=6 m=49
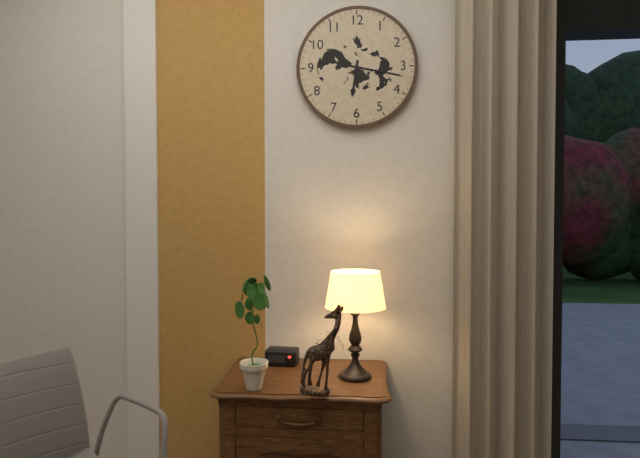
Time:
h=6 m=17
